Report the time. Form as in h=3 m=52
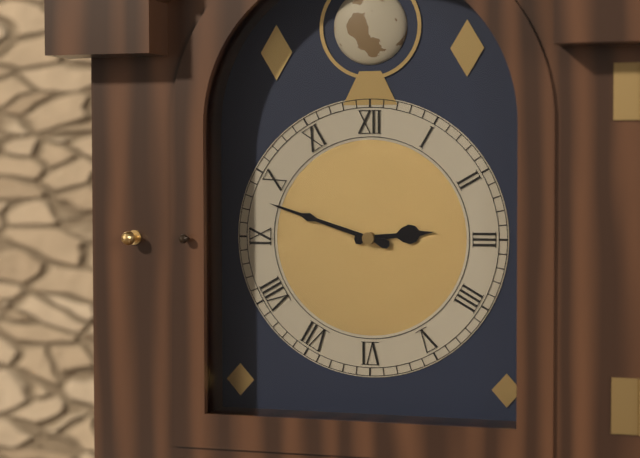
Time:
h=2 m=48
